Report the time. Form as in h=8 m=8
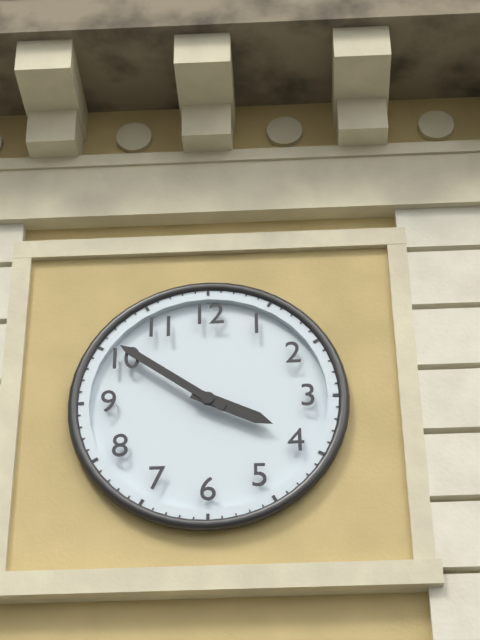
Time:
h=3 m=51
